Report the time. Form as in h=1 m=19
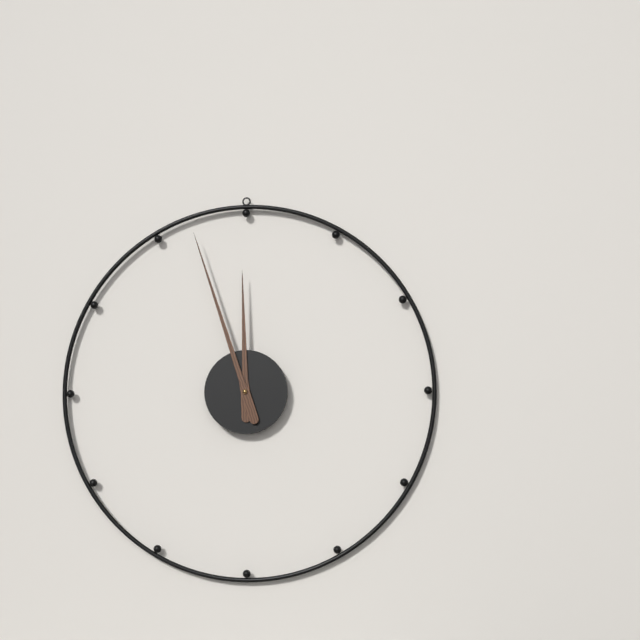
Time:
h=11 m=57
